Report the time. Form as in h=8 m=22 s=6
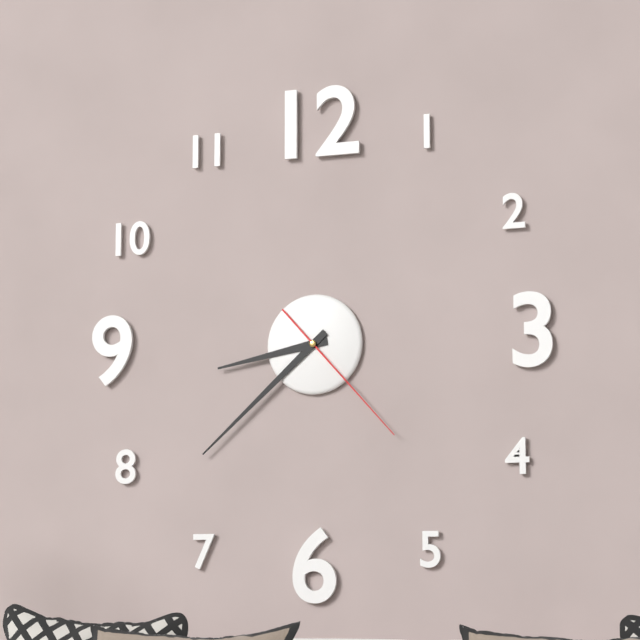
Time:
h=8 m=38 s=23
